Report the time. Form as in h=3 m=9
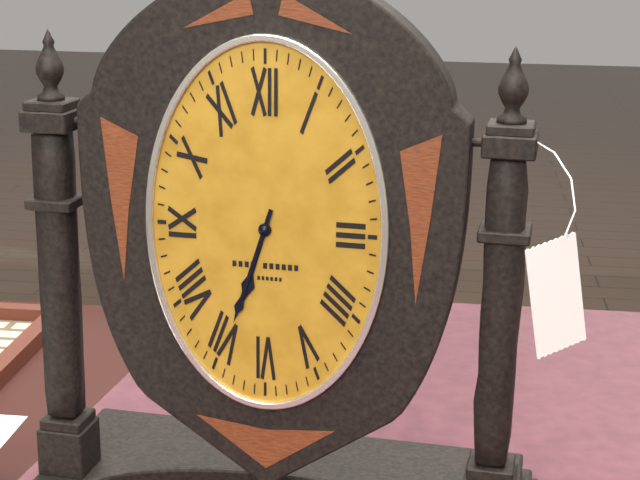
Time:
h=6 m=33
